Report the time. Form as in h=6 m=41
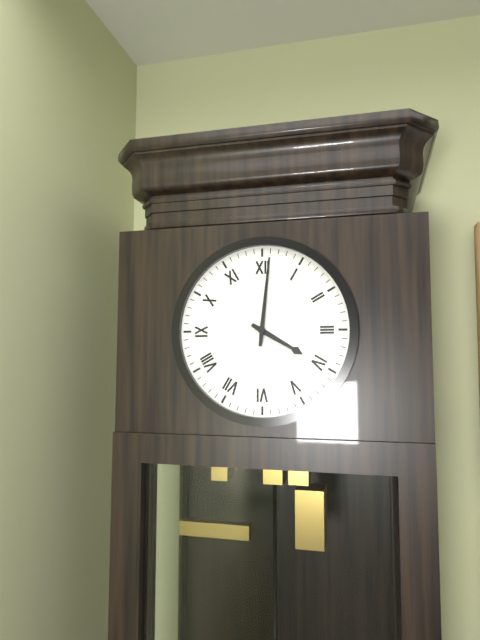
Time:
h=4 m=1
